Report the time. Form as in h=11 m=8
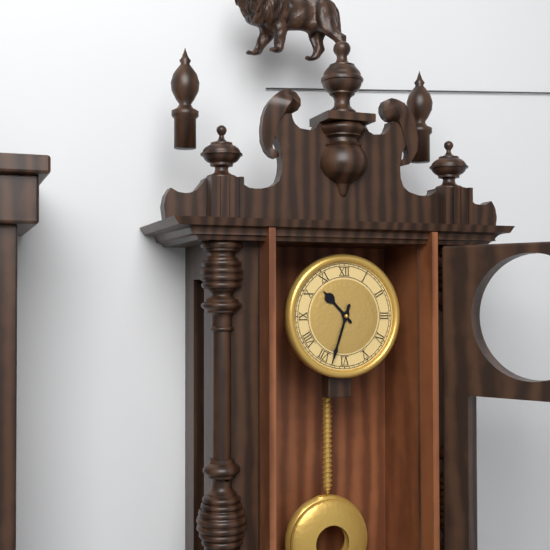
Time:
h=10 m=33
